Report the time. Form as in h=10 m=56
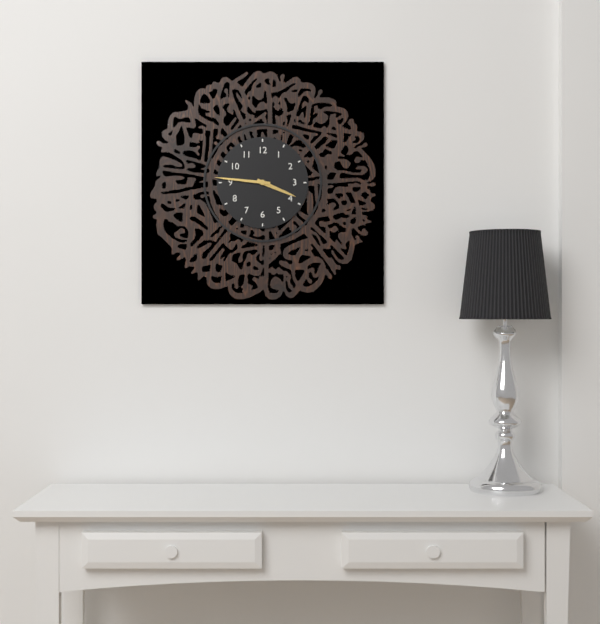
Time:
h=3 m=46
